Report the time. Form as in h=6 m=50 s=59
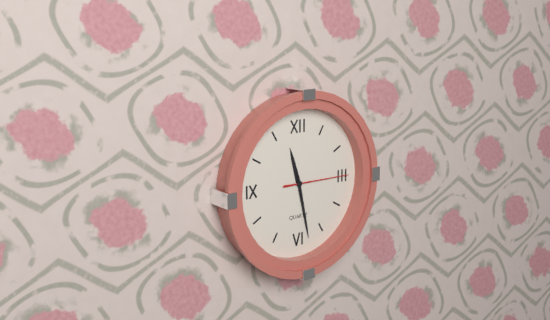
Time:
h=11 m=28 s=15
